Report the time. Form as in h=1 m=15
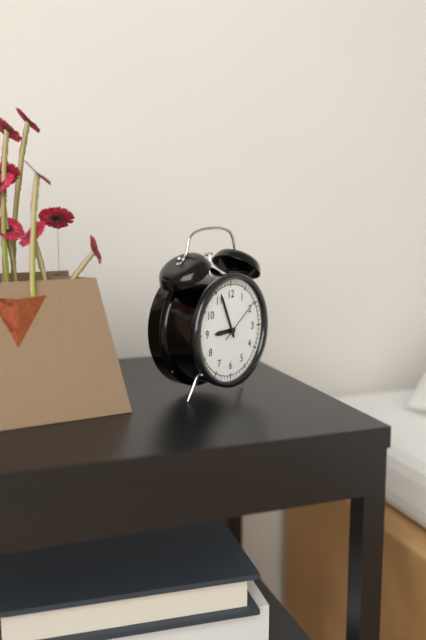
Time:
h=8 m=56
